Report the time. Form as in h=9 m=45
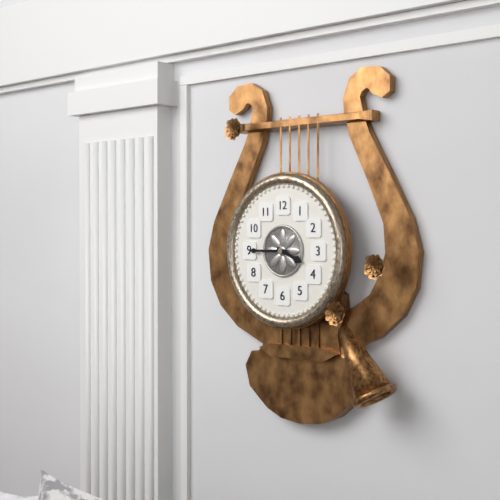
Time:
h=3 m=45
